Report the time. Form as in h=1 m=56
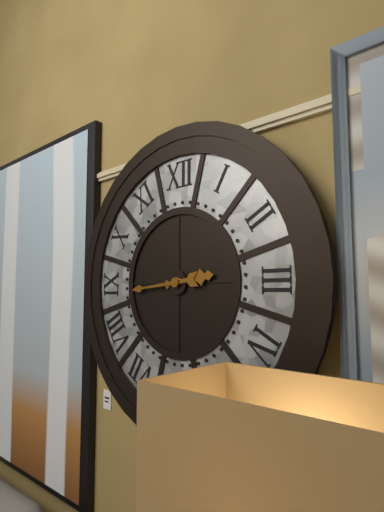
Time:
h=2 m=44
